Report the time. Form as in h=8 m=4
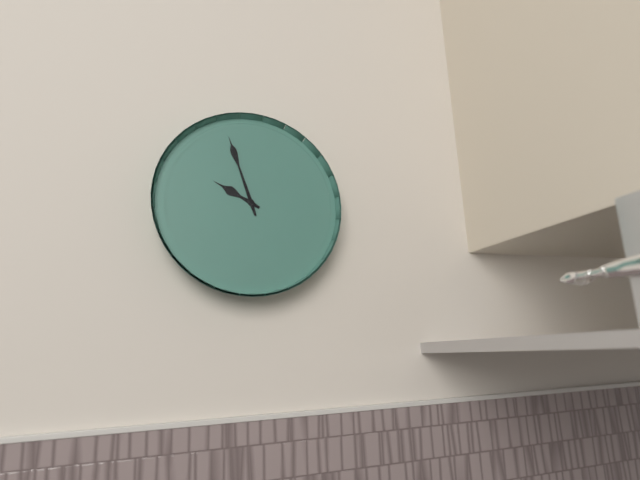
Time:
h=9 m=57
